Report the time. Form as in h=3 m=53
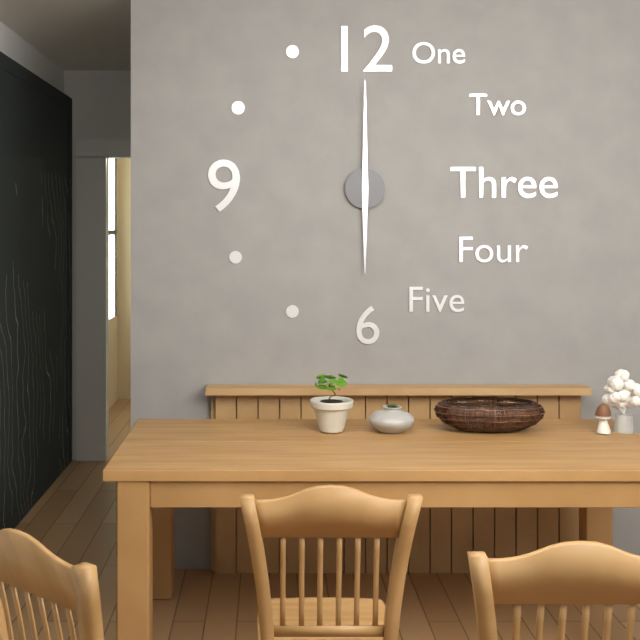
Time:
h=6 m=0
